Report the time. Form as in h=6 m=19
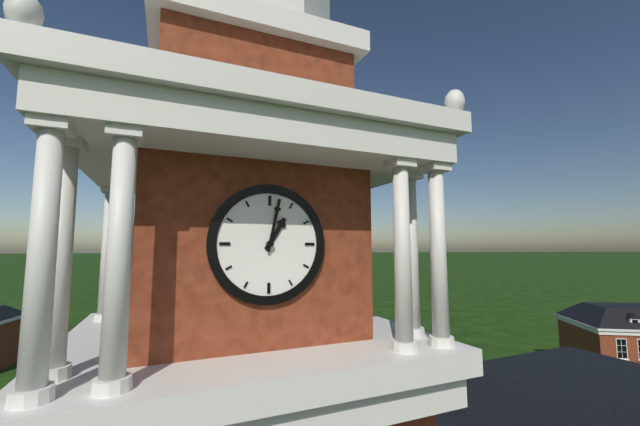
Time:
h=1 m=2
